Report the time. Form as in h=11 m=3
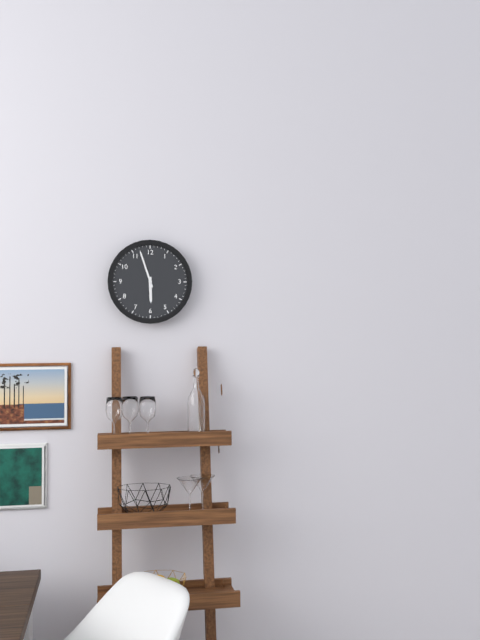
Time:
h=5 m=57
